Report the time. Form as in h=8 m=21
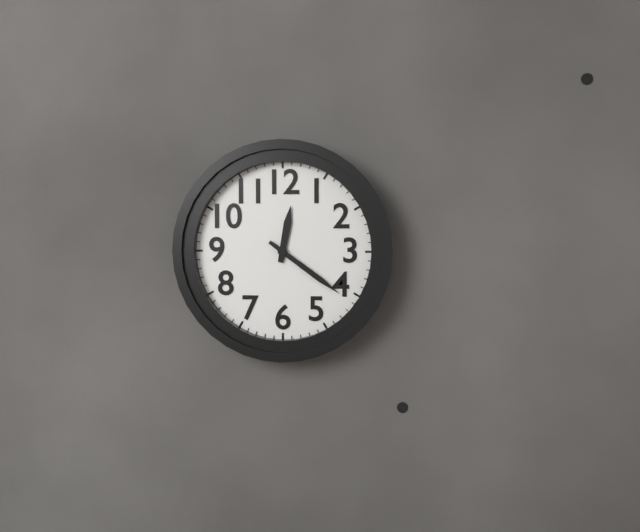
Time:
h=12 m=21
